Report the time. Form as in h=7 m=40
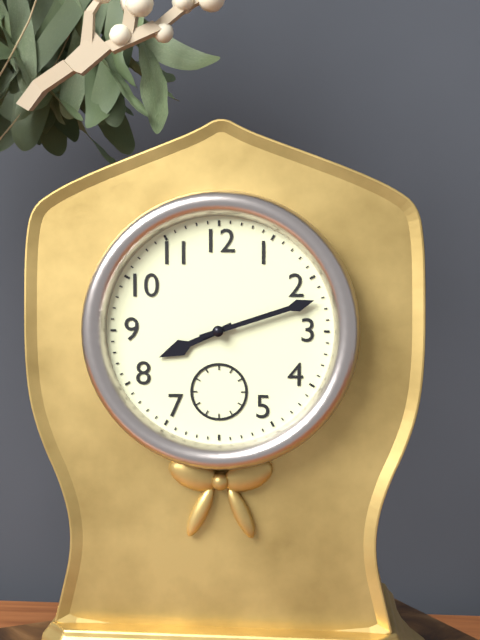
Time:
h=8 m=12
